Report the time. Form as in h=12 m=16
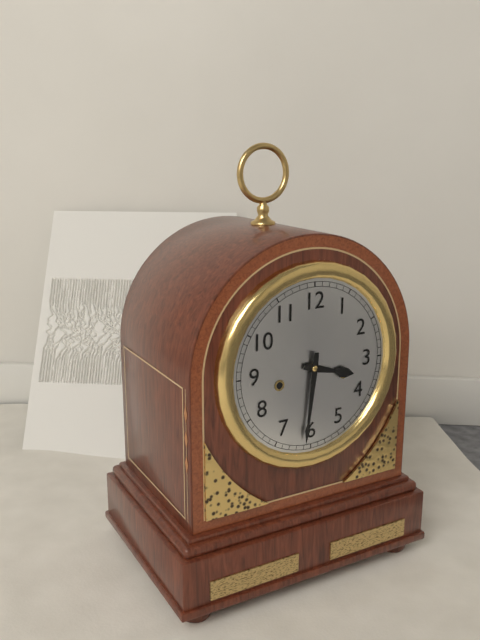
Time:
h=3 m=31
